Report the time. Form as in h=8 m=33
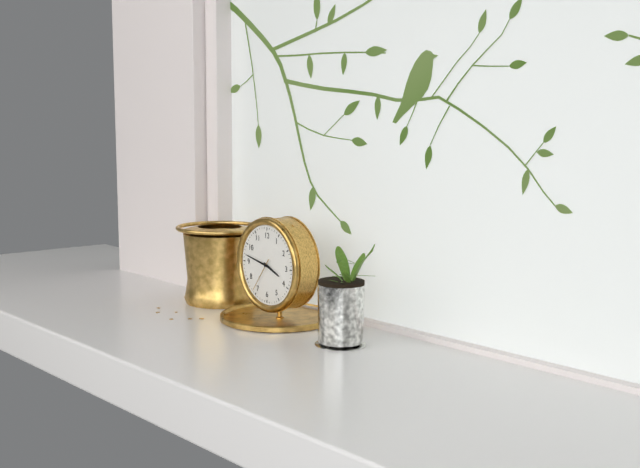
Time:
h=3 m=47
